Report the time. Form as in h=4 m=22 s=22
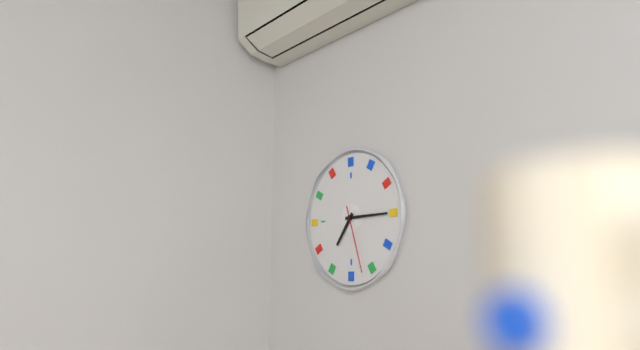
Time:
h=7 m=15 s=27
